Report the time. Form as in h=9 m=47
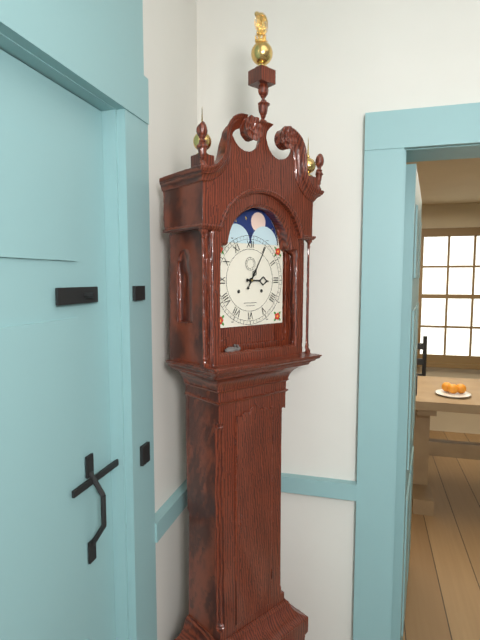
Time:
h=3 m=5
